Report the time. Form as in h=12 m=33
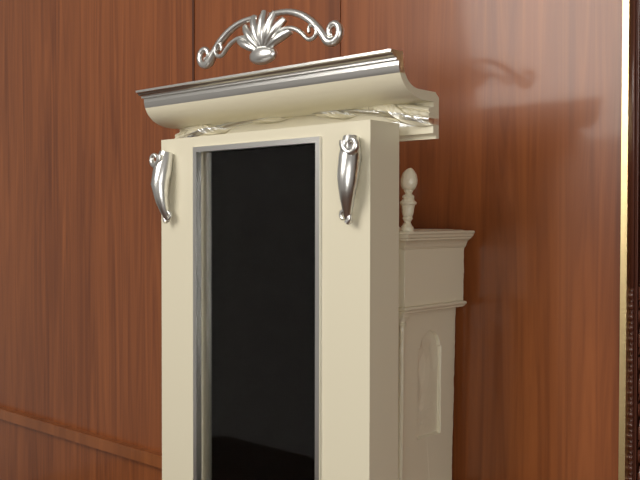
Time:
h=8 m=50
